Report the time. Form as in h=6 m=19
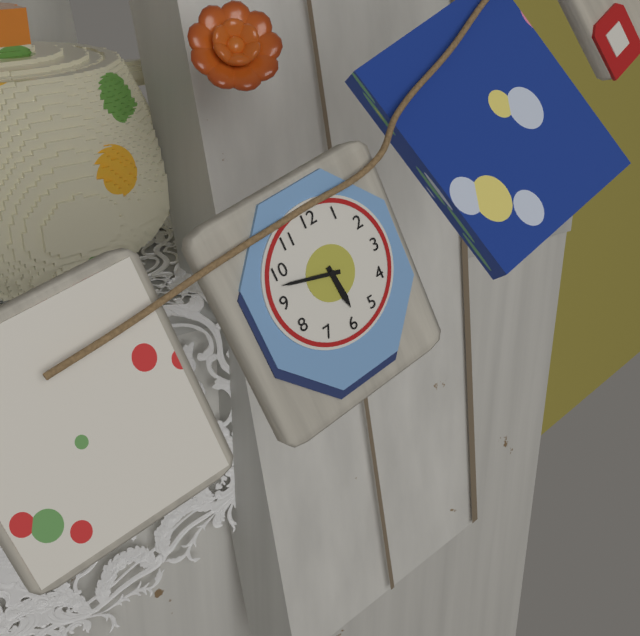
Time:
h=5 m=48
